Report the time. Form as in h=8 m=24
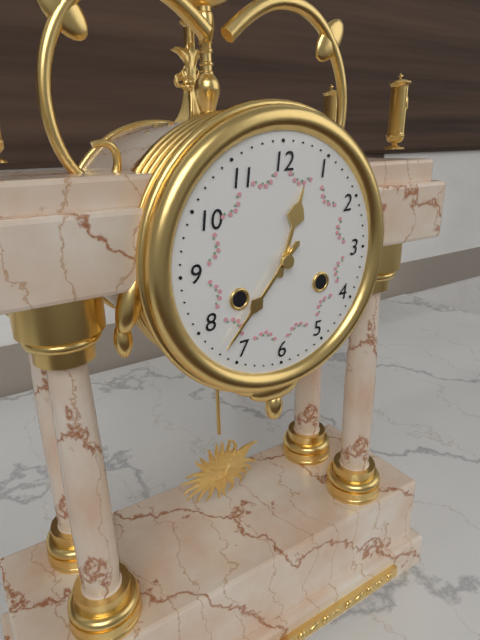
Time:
h=12 m=37
